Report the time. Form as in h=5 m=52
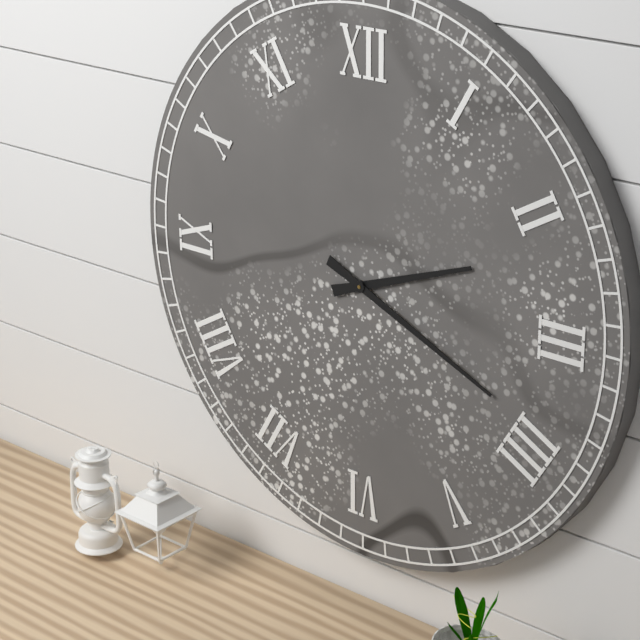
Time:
h=2 m=19
